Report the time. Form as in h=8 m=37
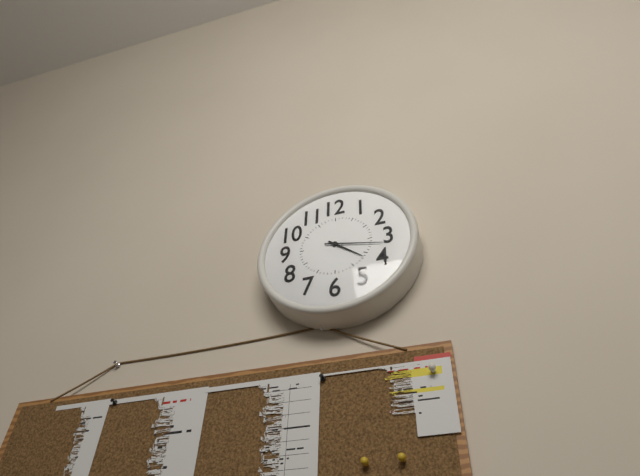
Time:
h=4 m=17
